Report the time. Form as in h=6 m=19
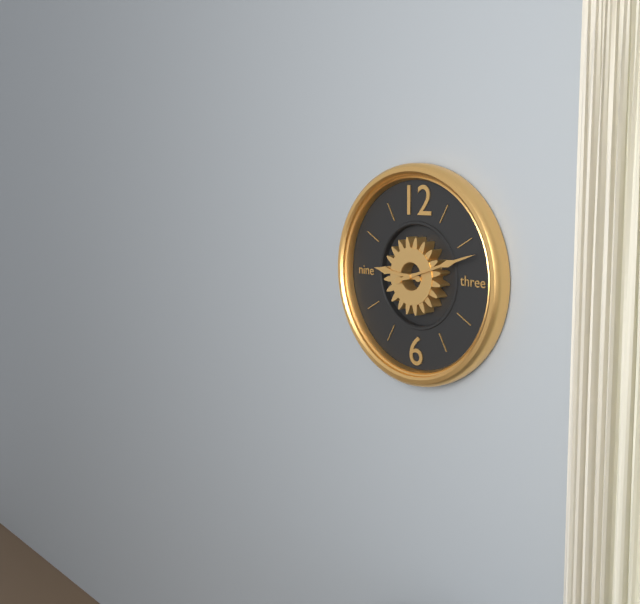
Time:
h=9 m=12
